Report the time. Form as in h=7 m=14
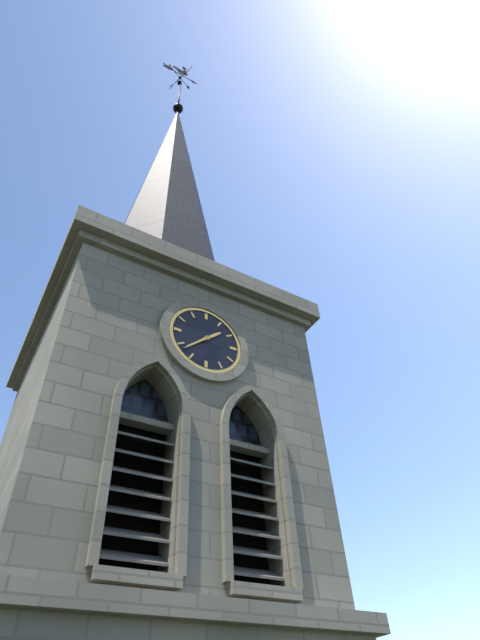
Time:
h=1 m=38
